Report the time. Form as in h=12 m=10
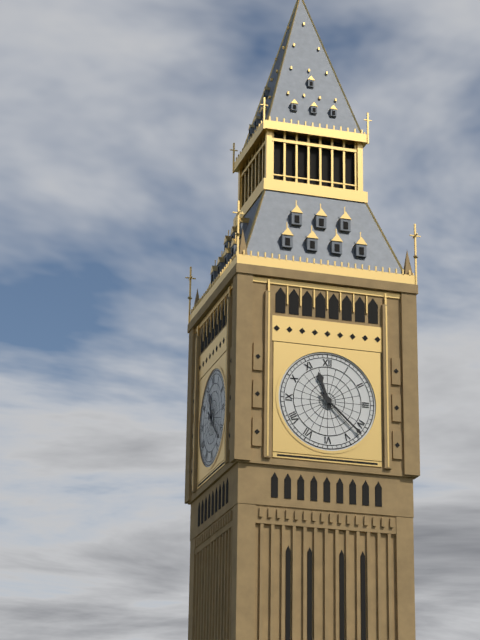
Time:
h=11 m=22
